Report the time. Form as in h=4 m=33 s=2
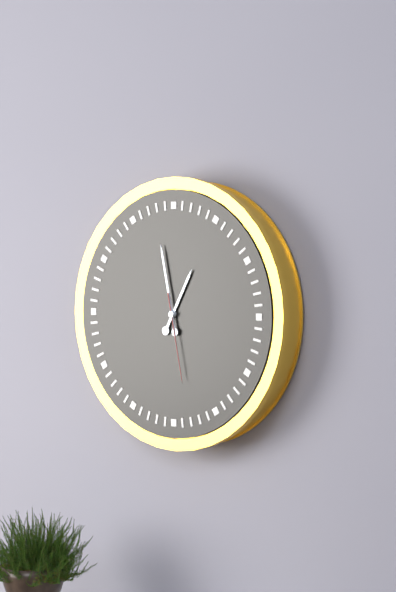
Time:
h=12 m=58 s=28
